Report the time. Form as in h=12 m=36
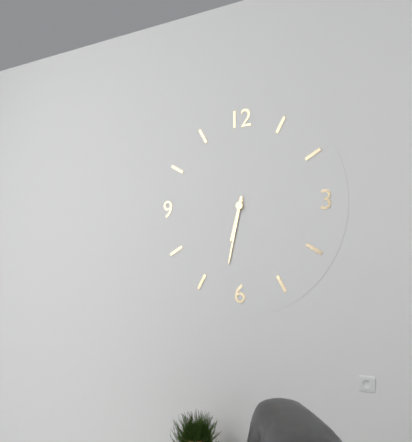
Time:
h=6 m=32
